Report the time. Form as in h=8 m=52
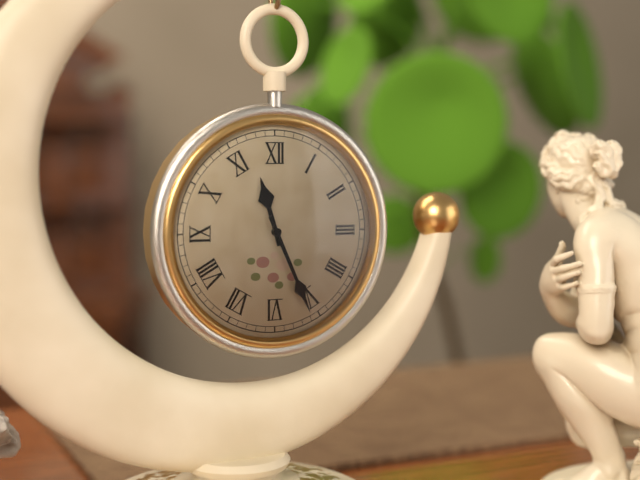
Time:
h=11 m=26
